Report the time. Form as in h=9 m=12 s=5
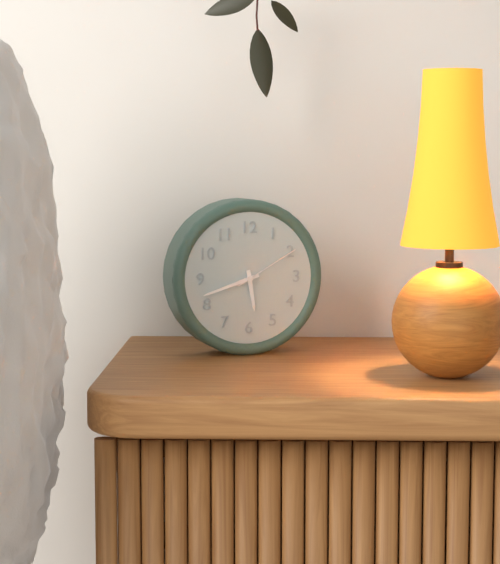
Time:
h=5 m=42 s=10
